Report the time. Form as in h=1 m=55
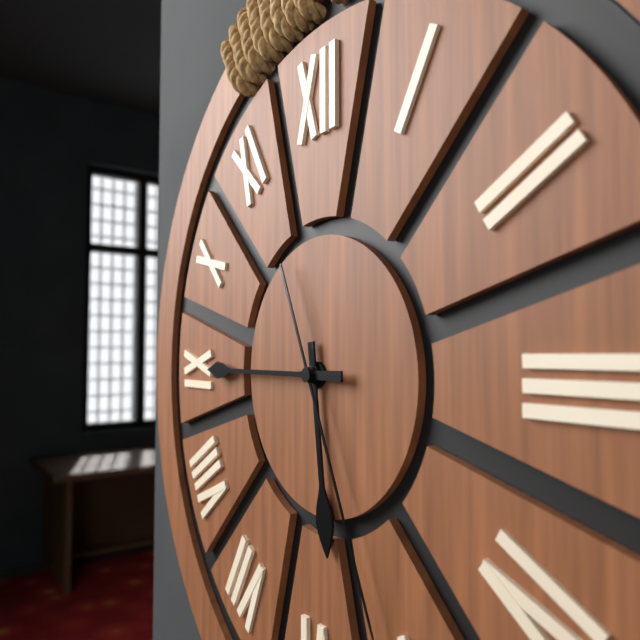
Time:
h=5 m=45
